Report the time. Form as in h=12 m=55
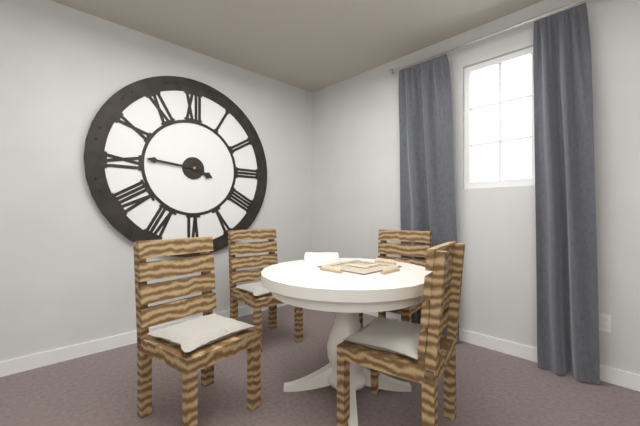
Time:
h=3 m=46
